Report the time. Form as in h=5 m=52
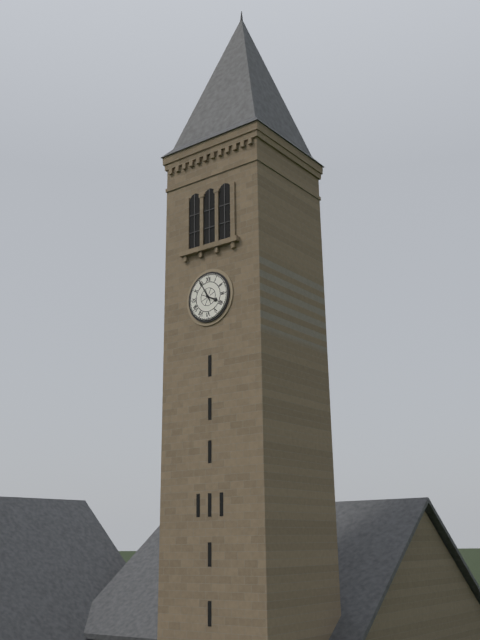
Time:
h=3 m=55
